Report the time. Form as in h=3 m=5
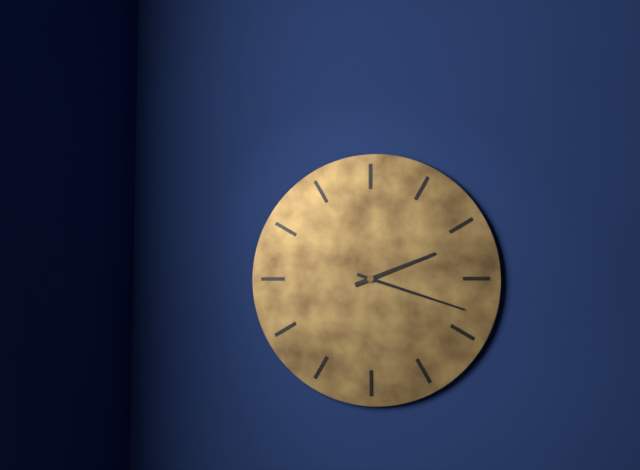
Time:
h=2 m=18
